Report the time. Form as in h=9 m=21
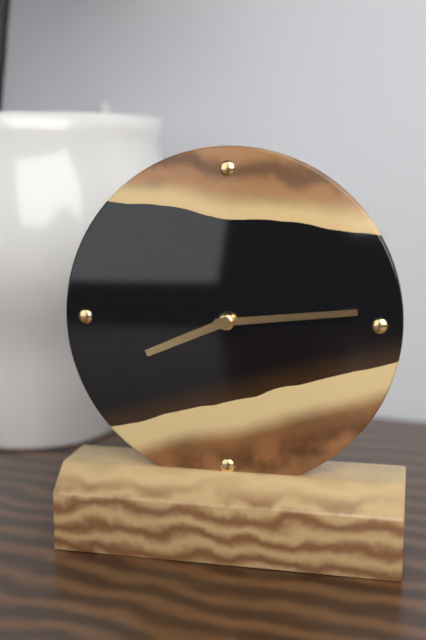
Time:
h=8 m=14
